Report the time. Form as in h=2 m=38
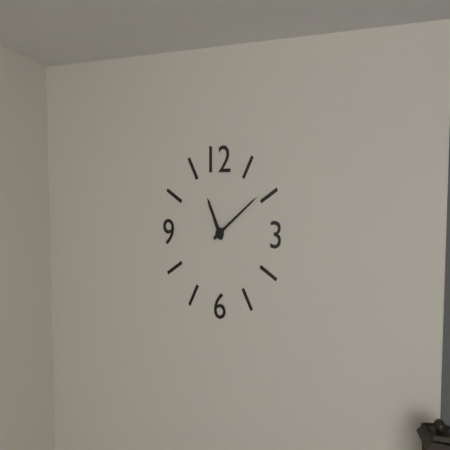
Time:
h=11 m=9
